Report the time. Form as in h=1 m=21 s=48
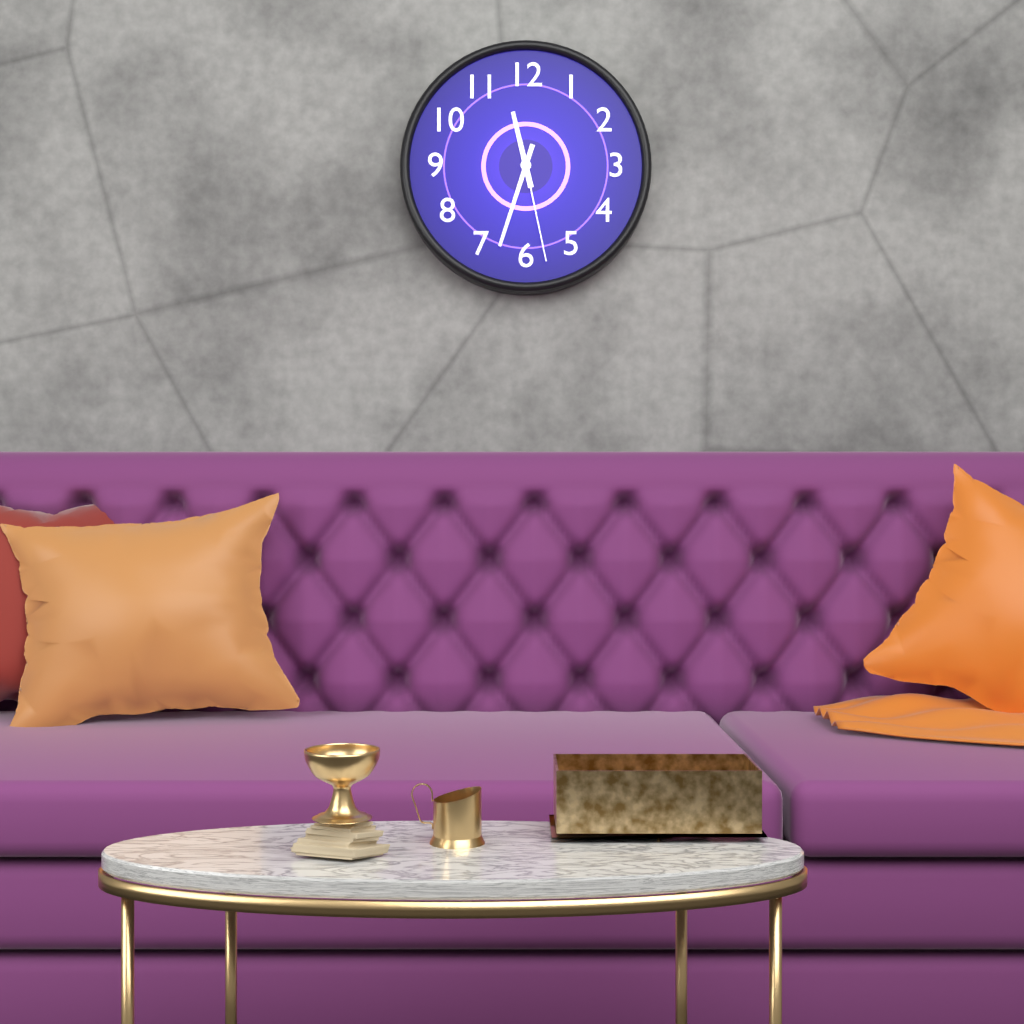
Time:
h=11 m=33 s=28
